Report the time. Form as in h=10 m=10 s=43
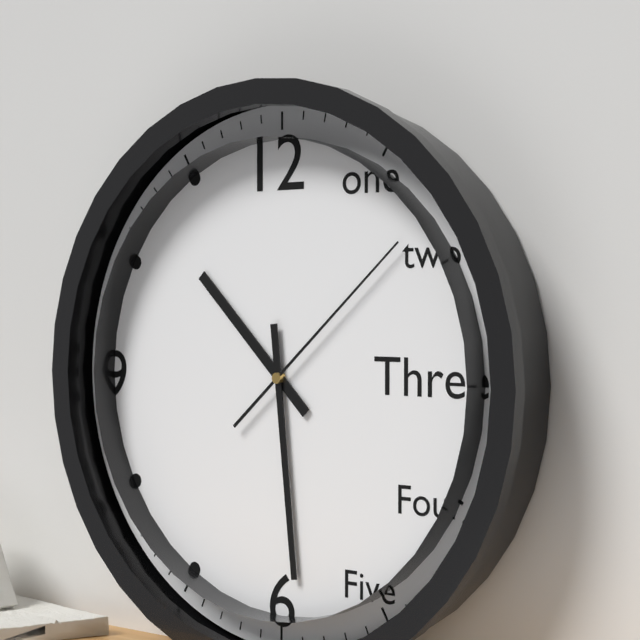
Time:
h=10 m=29 s=8
